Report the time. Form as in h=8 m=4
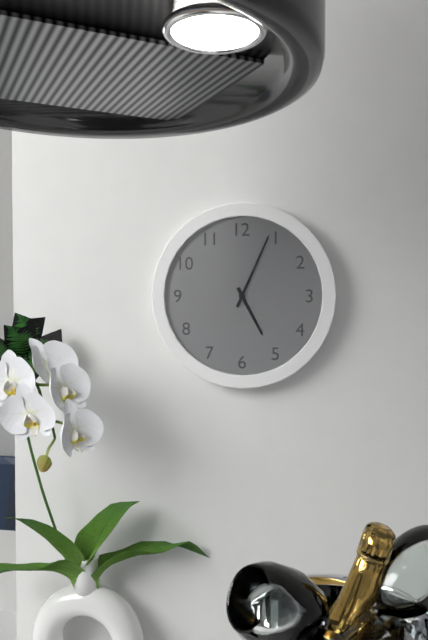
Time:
h=5 m=4
